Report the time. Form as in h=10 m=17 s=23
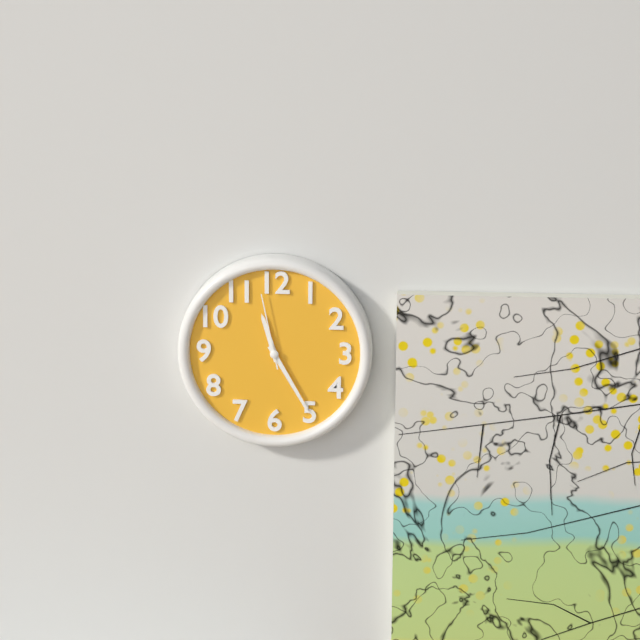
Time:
h=11 m=25 s=58
